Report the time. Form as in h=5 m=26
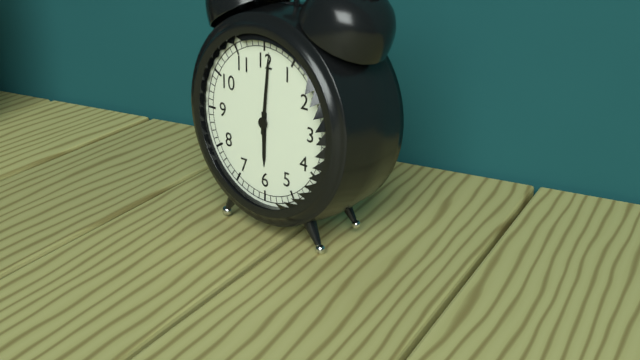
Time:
h=6 m=1
